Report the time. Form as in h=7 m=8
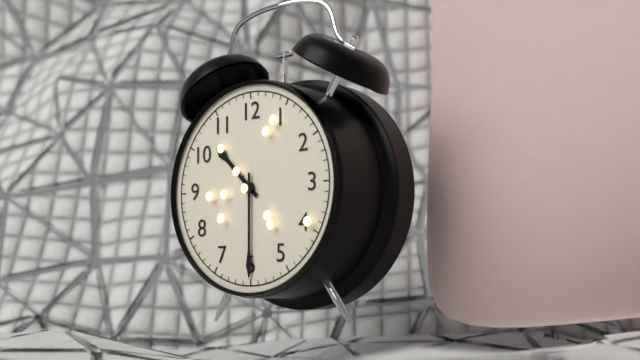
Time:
h=10 m=30
